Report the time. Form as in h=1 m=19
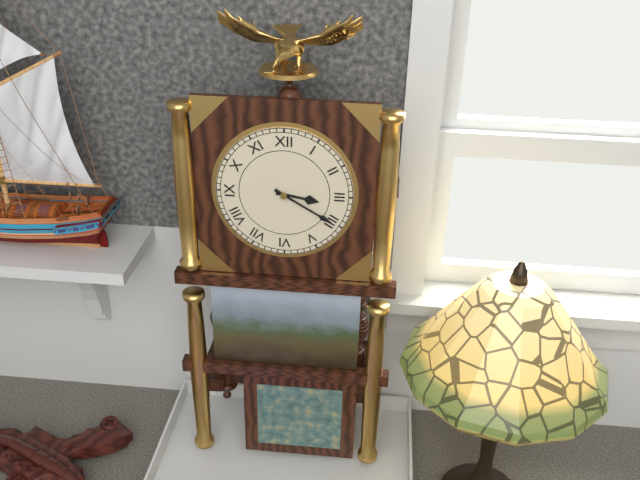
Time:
h=3 m=20
